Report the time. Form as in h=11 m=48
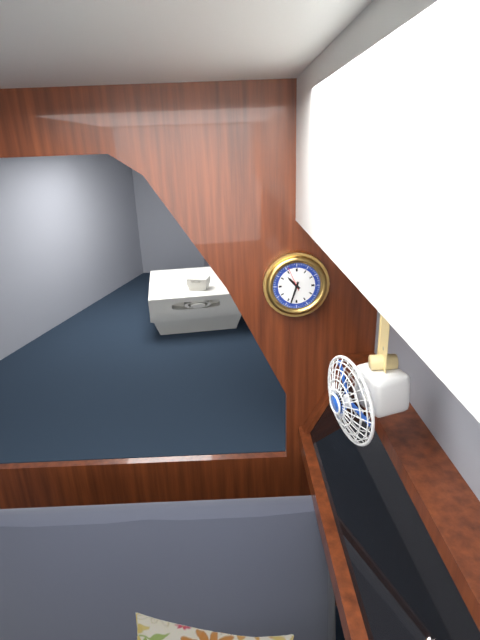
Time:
h=10 m=33
